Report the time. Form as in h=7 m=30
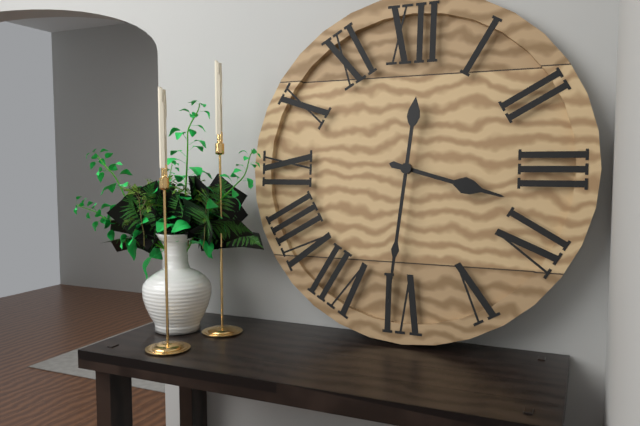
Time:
h=3 m=31
